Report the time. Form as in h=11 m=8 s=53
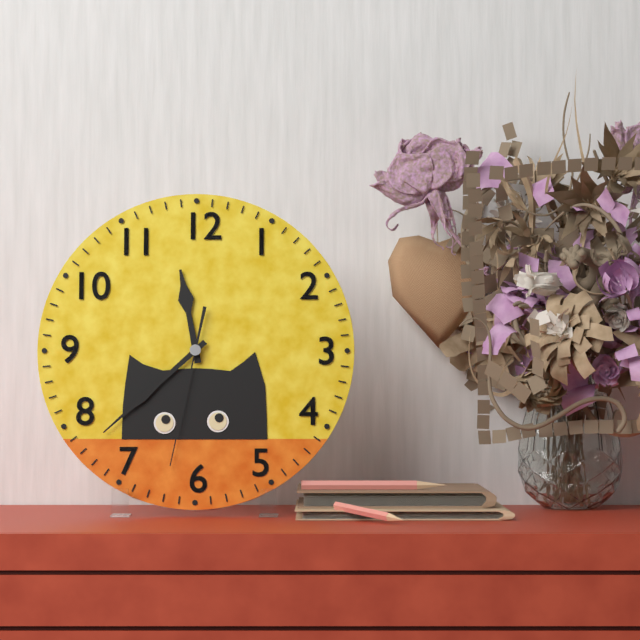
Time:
h=11 m=38 s=32
